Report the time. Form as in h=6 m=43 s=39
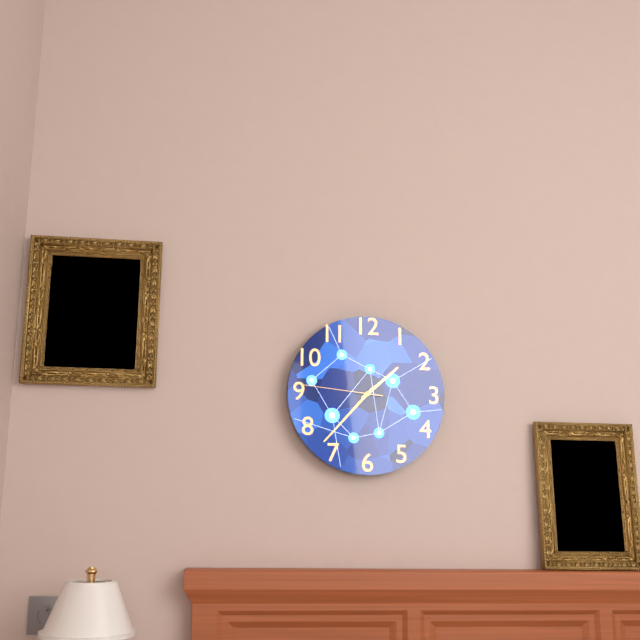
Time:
h=1 m=37 s=46
